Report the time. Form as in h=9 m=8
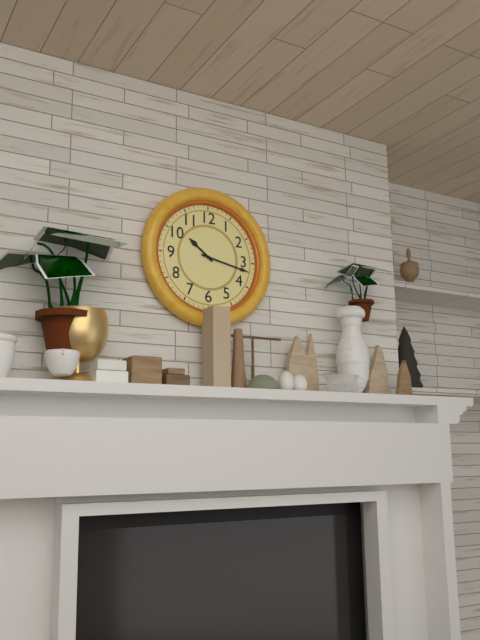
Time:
h=10 m=17
